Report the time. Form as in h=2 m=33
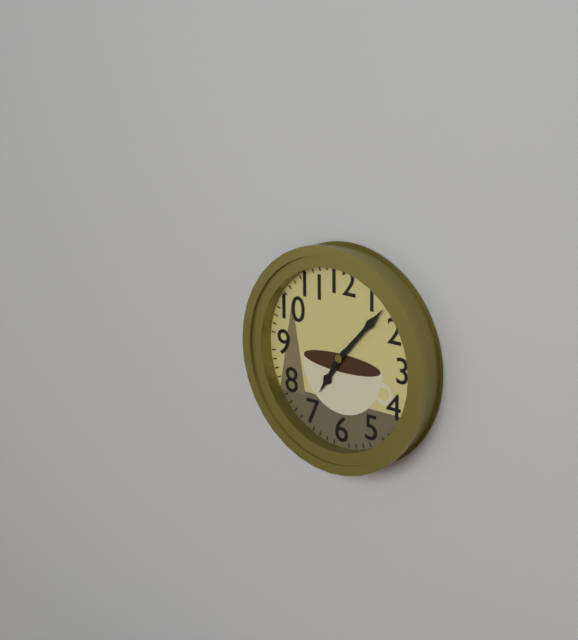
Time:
h=7 m=7
